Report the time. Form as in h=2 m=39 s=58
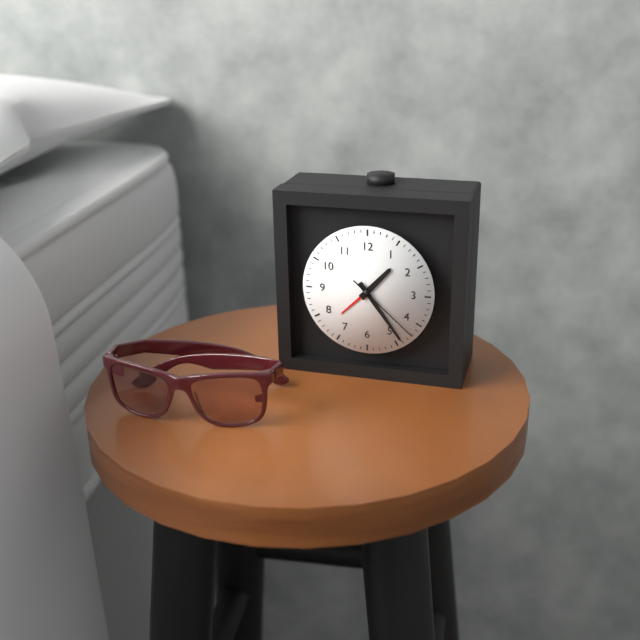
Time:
h=1 m=24 s=22
